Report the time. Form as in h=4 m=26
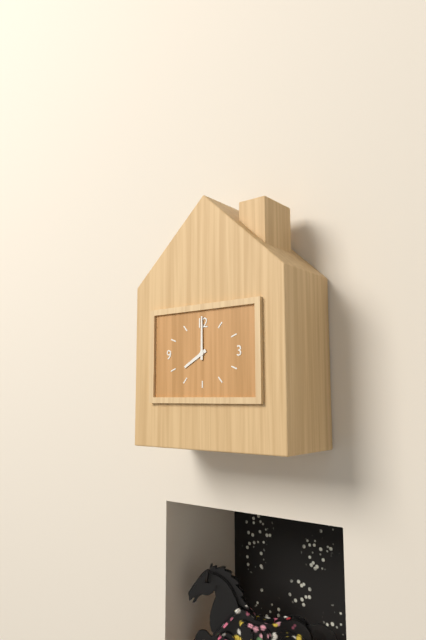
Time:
h=8 m=0
